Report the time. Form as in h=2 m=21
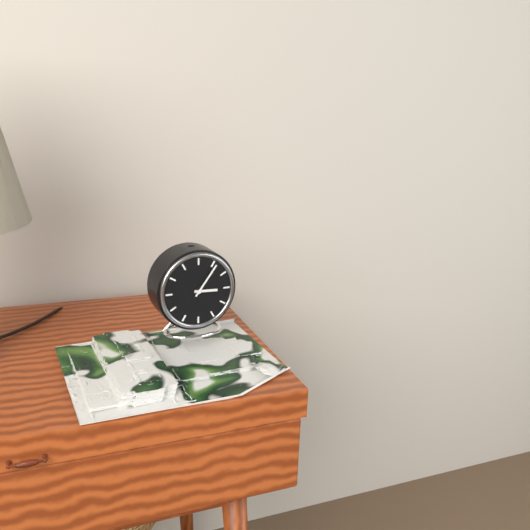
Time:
h=3 m=6
